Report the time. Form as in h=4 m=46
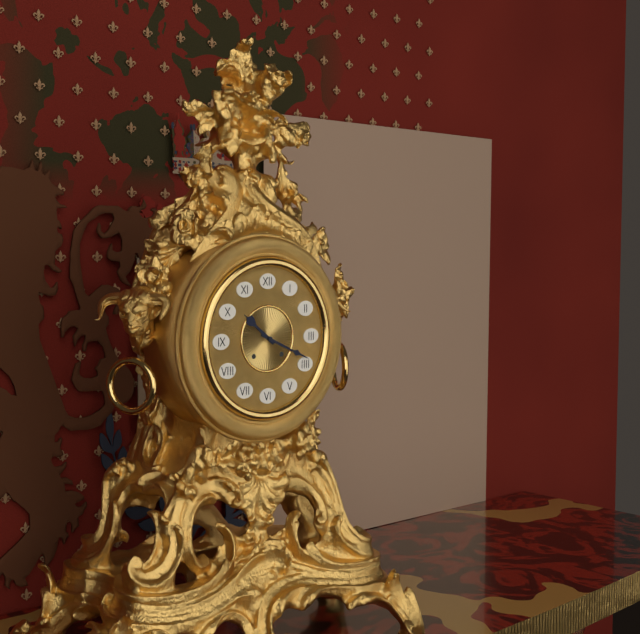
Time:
h=10 m=19
